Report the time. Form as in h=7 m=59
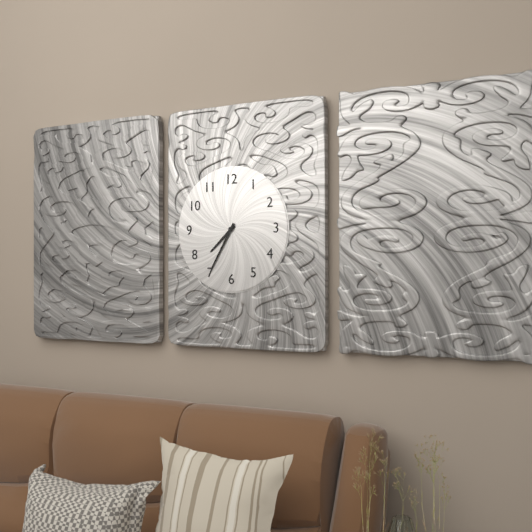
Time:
h=7 m=35
